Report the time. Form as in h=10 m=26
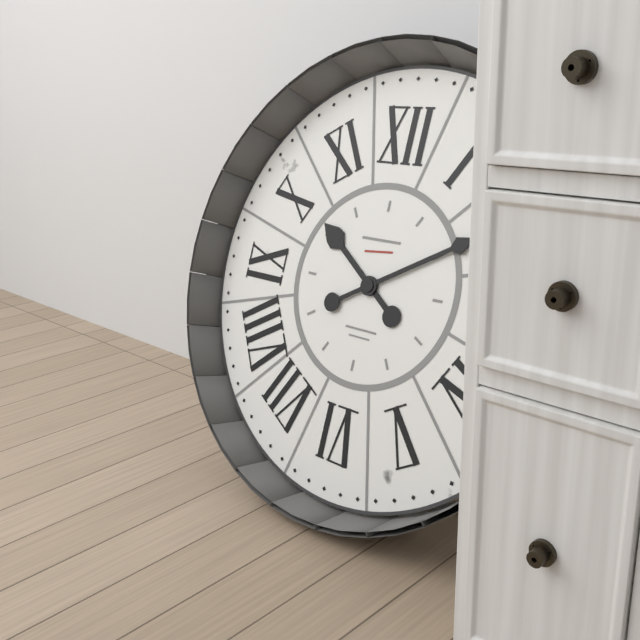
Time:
h=10 m=10
